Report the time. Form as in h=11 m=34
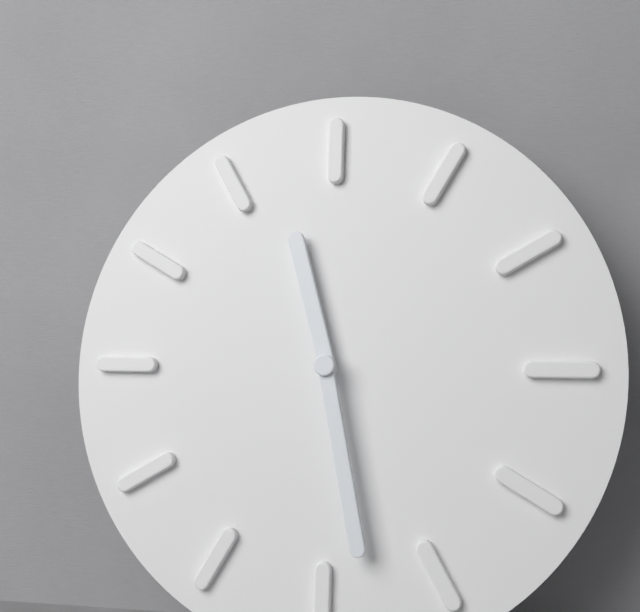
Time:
h=11 m=28
